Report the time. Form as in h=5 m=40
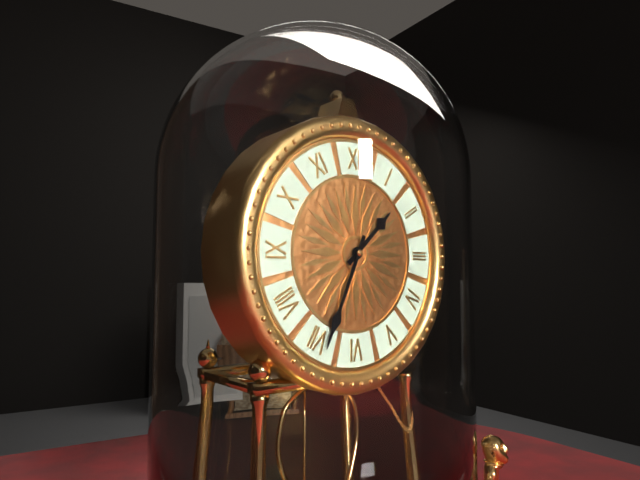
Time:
h=1 m=34
